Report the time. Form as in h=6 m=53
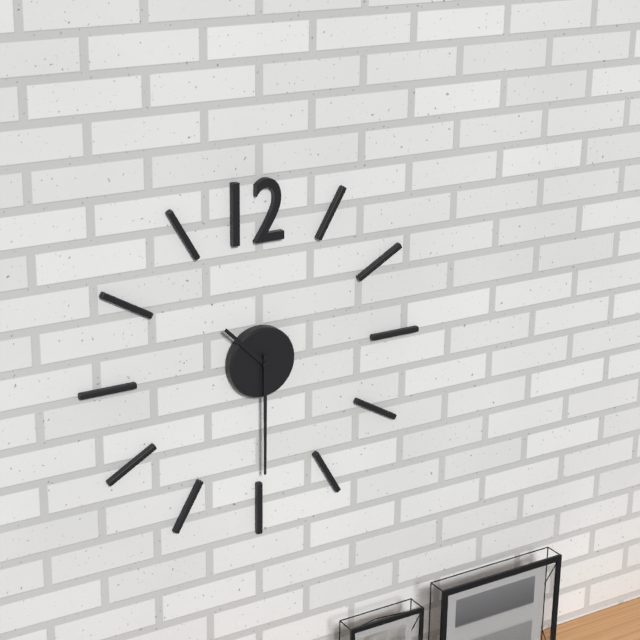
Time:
h=10 m=30
